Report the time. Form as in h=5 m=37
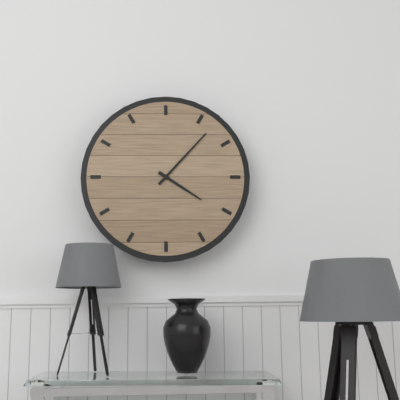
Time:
h=4 m=7
